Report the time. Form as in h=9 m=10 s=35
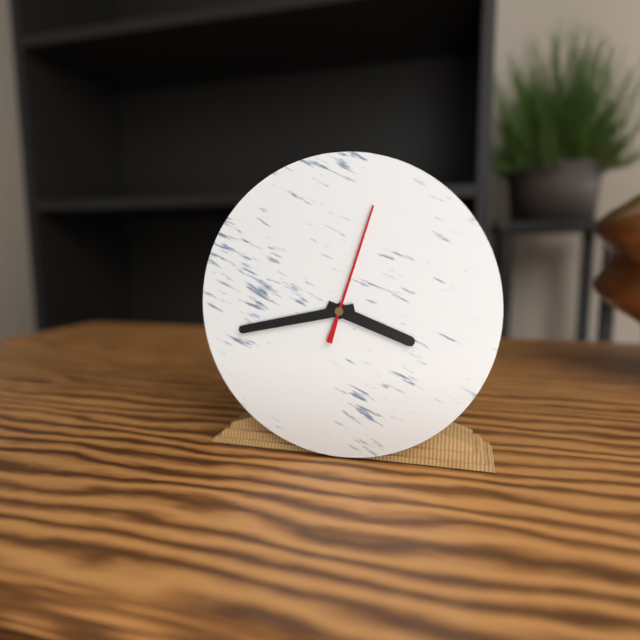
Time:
h=3 m=43 s=3
